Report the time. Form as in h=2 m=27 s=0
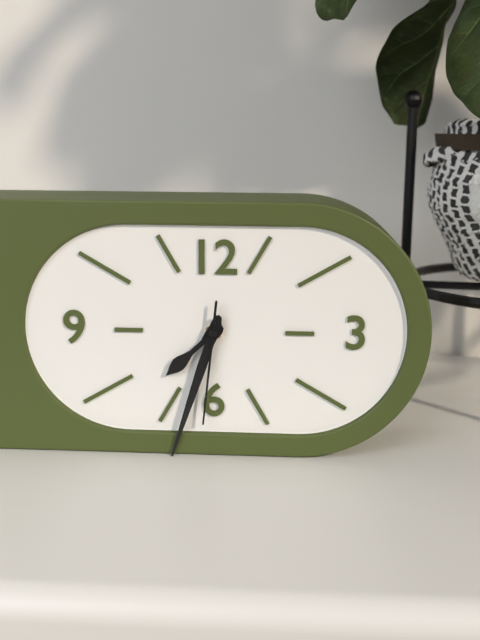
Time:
h=7 m=33 s=31
